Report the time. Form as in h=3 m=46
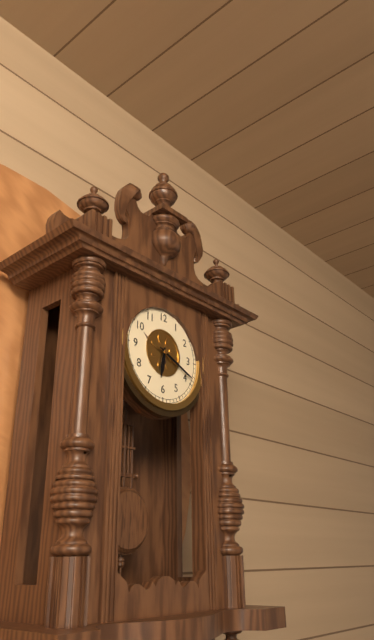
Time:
h=6 m=19
